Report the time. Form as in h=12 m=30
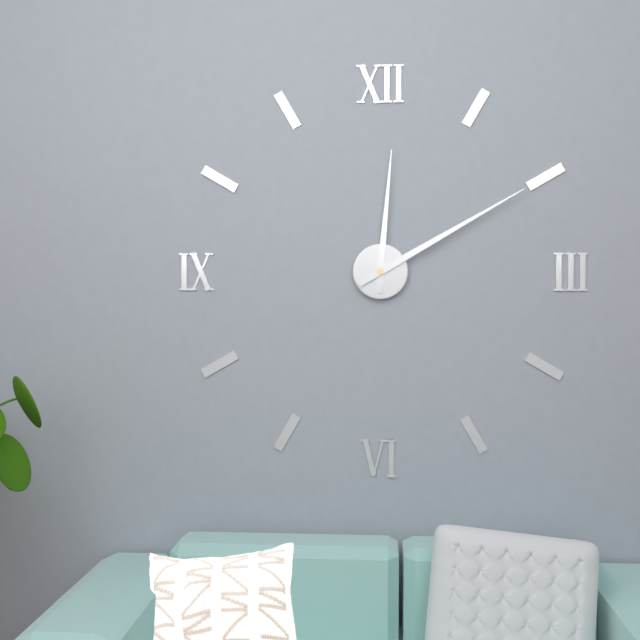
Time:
h=12 m=10
